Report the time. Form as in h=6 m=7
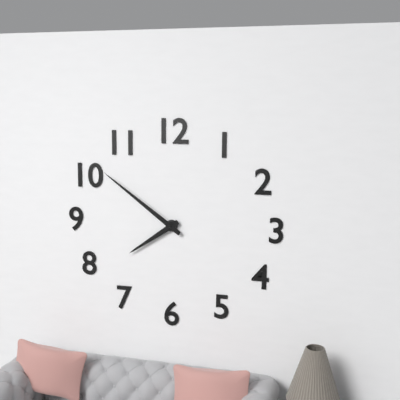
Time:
h=7 m=51
